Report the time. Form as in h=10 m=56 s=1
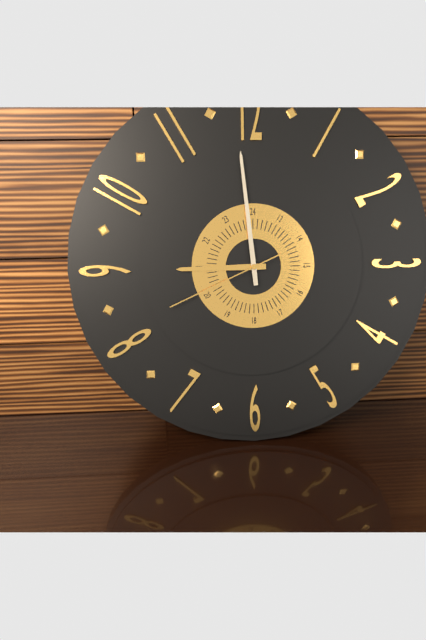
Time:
h=8 m=59 s=41
